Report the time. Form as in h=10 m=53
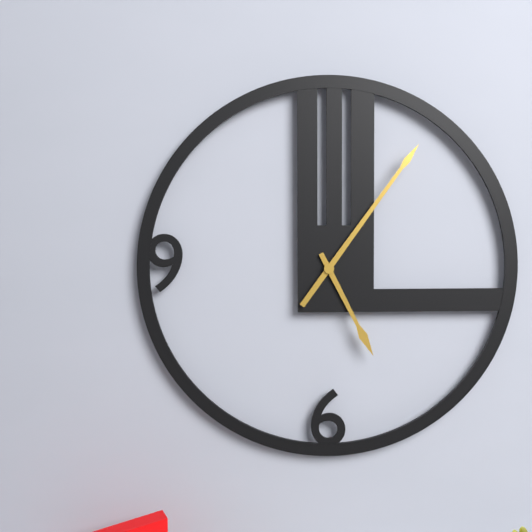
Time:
h=5 m=6
